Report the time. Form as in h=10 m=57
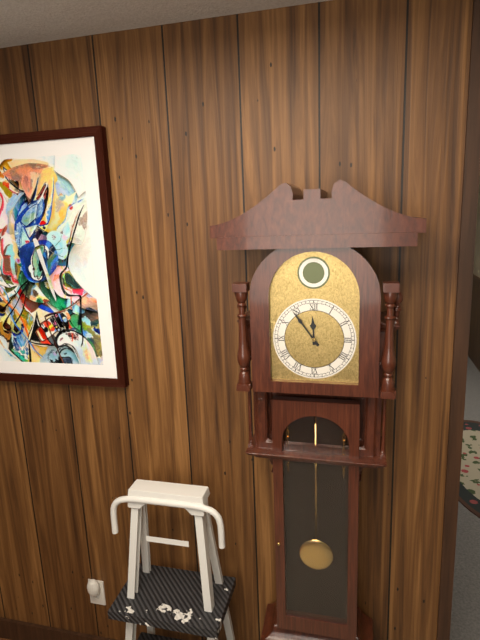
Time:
h=11 m=54
